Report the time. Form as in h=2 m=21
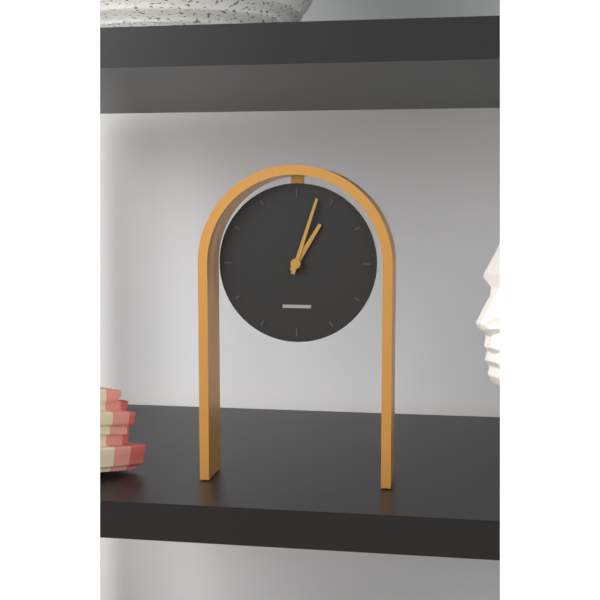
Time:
h=1 m=3
